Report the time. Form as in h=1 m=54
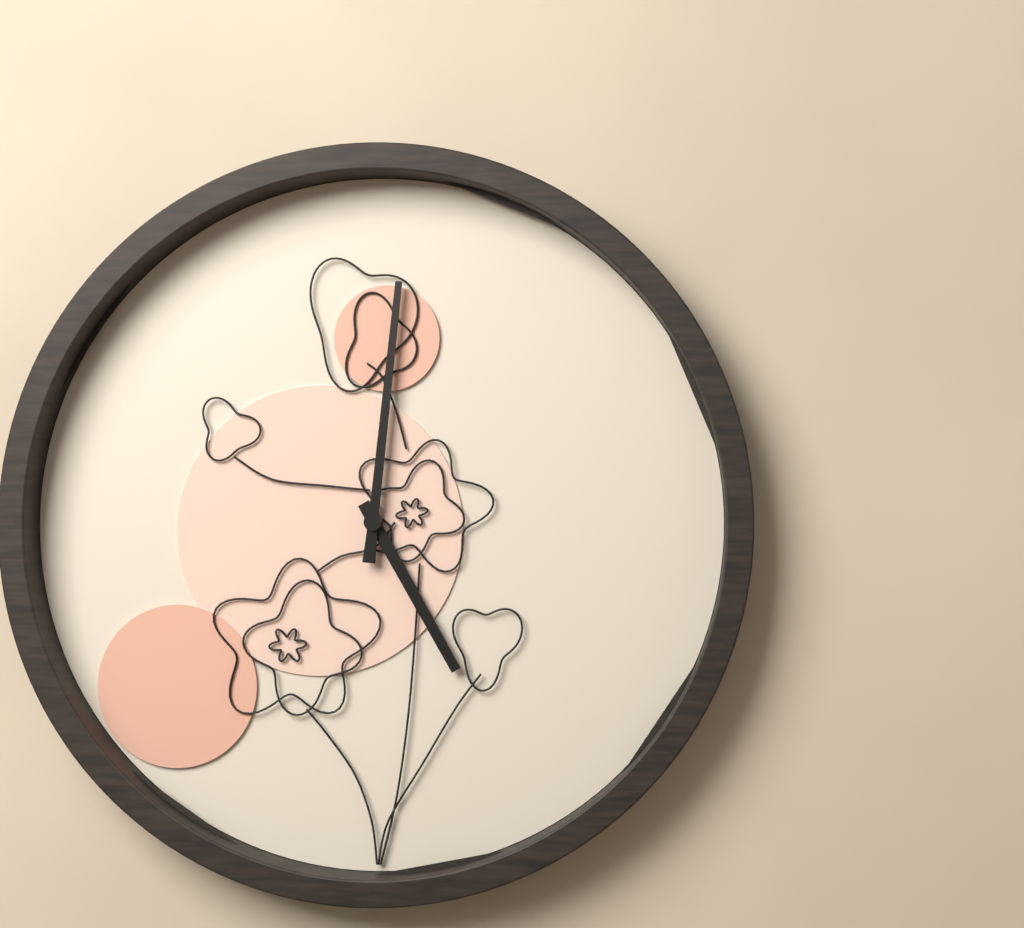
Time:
h=5 m=1
